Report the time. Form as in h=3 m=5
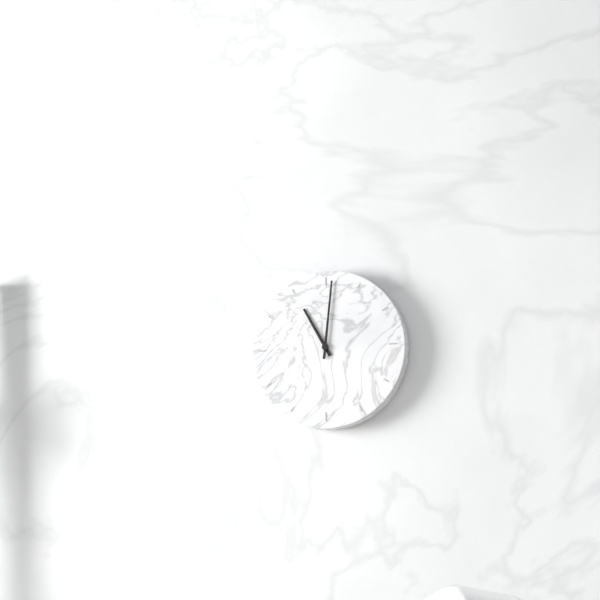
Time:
h=11 m=1
